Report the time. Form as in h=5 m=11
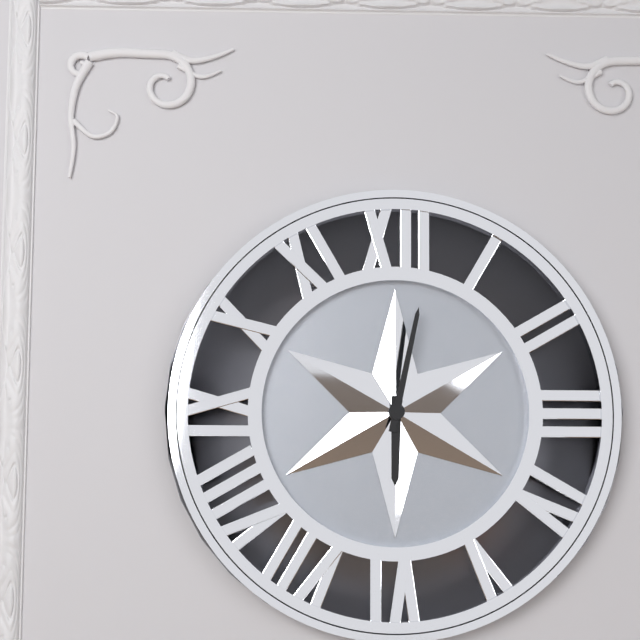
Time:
h=6 m=2
